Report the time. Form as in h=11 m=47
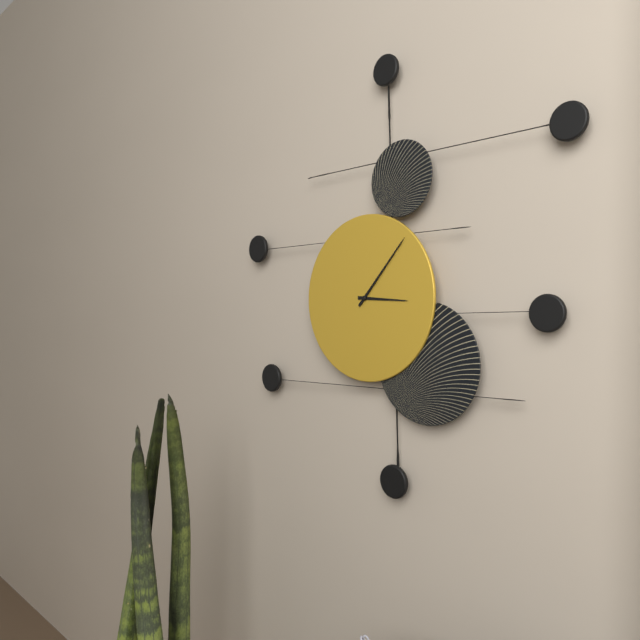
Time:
h=3 m=7
